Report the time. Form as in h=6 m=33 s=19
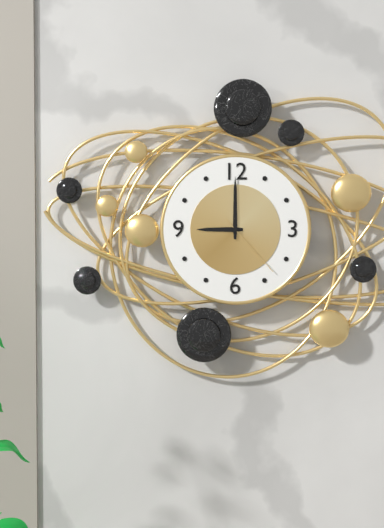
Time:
h=9 m=0 s=23
